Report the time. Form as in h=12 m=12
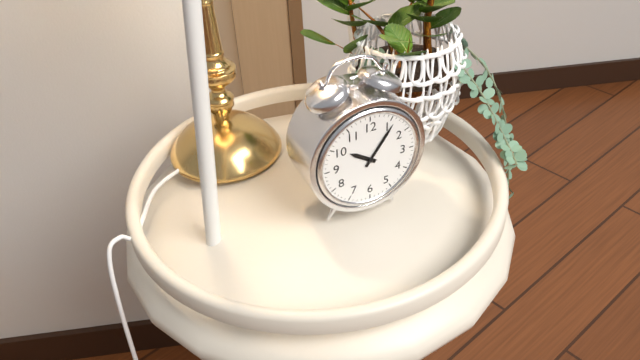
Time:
h=10 m=6
